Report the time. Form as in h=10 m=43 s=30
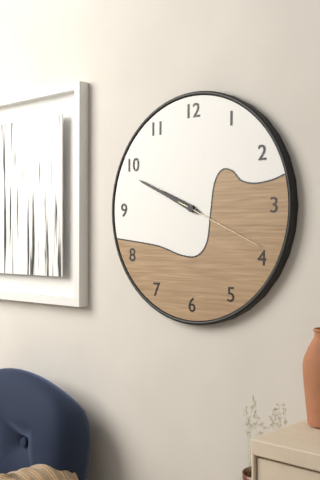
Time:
h=9 m=49 s=19
